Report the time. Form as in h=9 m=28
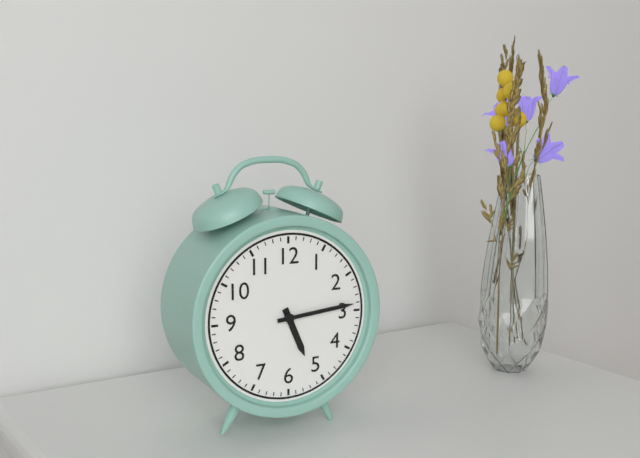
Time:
h=5 m=14
